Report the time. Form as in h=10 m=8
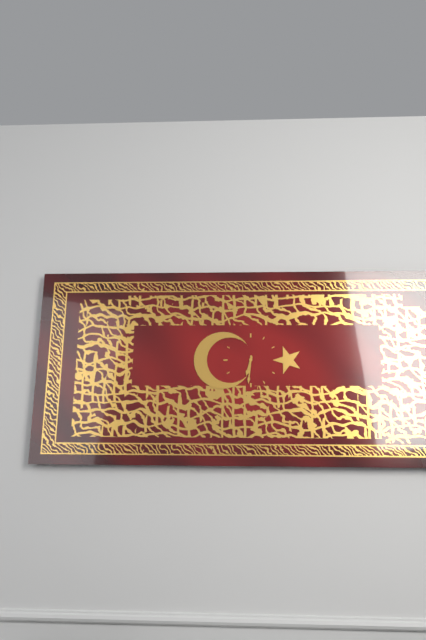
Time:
h=6 m=31
